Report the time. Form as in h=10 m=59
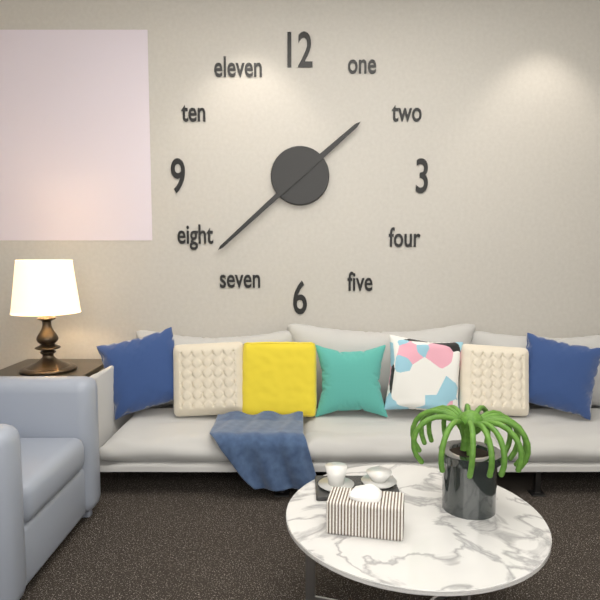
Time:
h=1 m=38
